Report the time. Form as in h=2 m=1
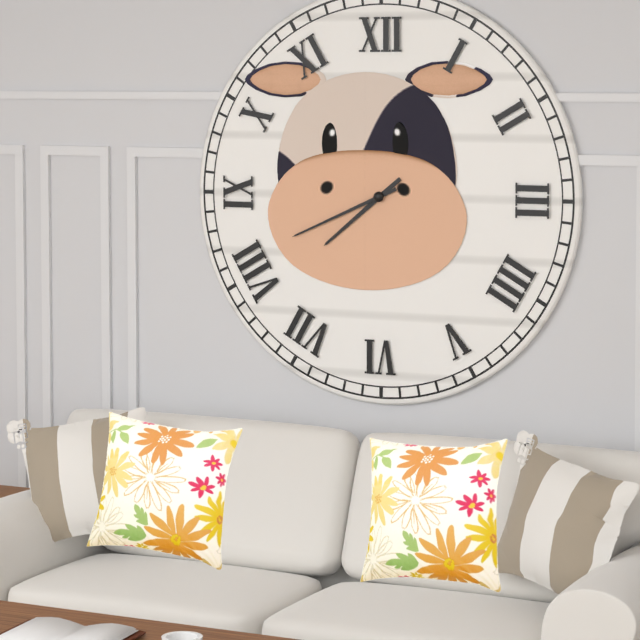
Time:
h=7 m=41
